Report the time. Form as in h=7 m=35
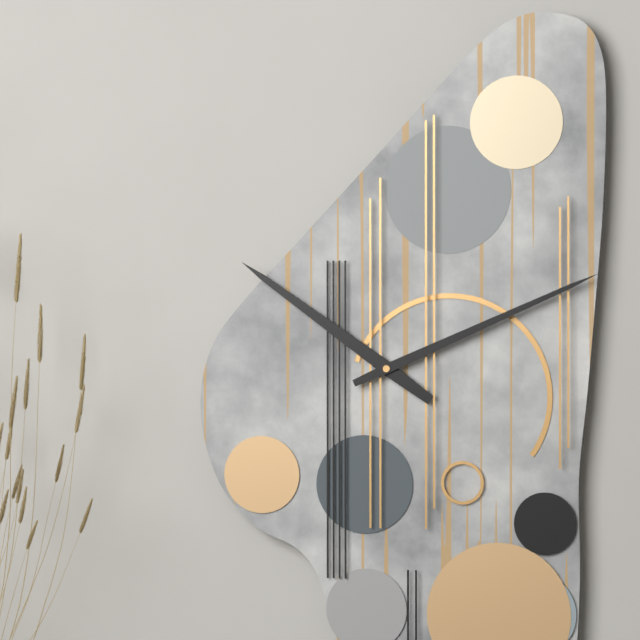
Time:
h=10 m=11
